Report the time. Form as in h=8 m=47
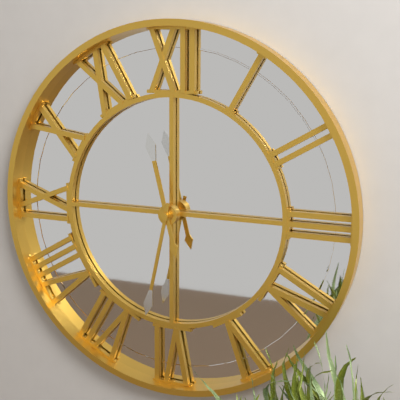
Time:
h=11 m=32
